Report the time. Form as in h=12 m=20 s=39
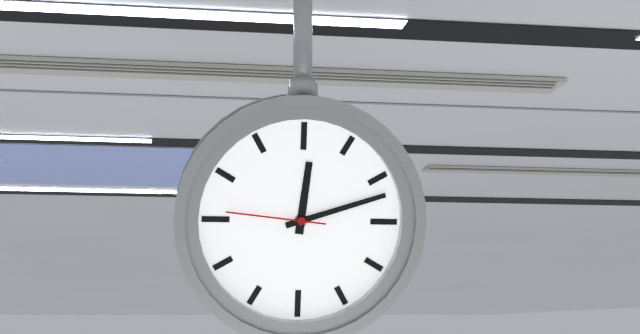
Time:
h=12 m=12 s=46
